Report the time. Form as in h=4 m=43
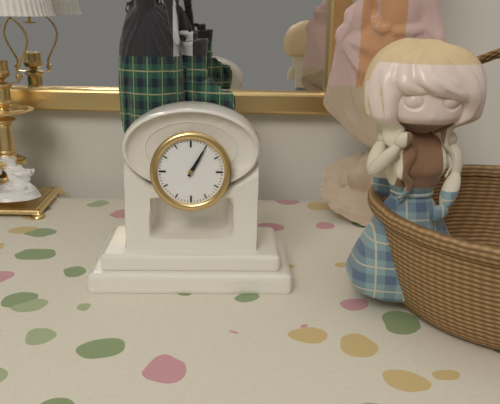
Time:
h=1 m=5
